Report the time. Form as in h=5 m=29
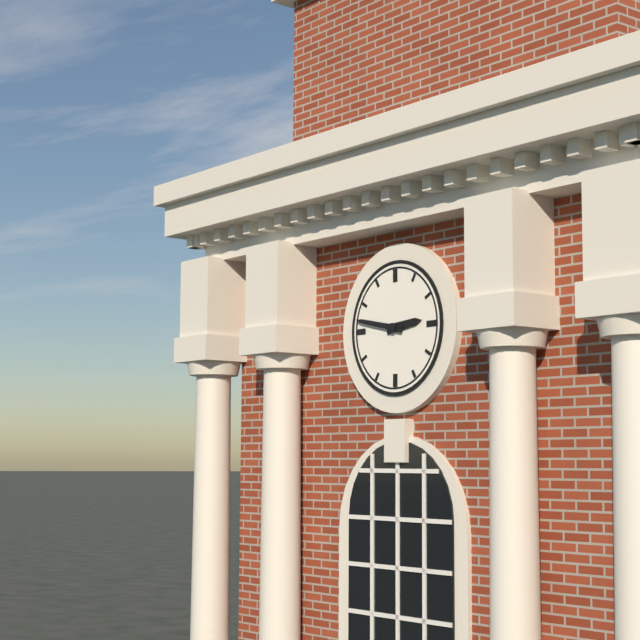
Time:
h=2 m=47
